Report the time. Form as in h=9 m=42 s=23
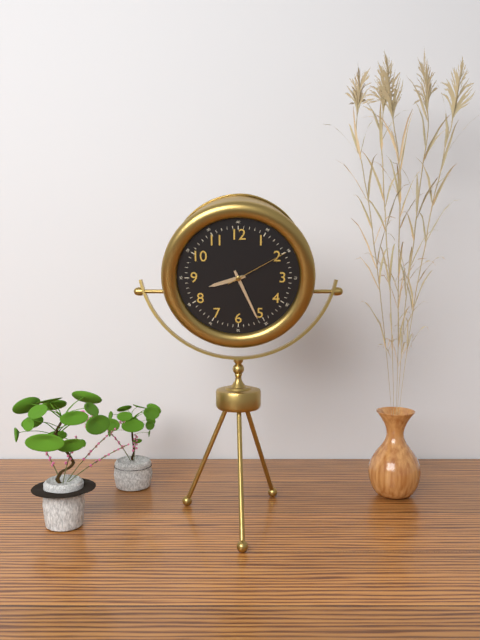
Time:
h=8 m=26 s=10
